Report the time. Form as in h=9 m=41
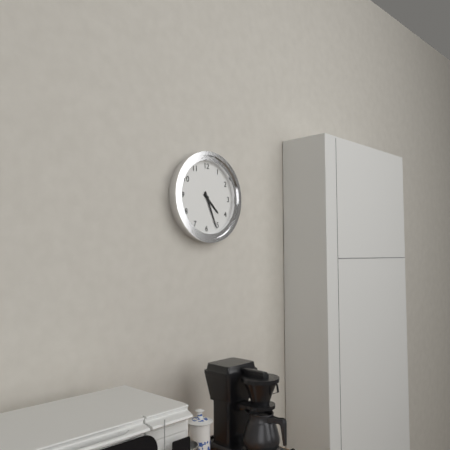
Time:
h=4 m=26
